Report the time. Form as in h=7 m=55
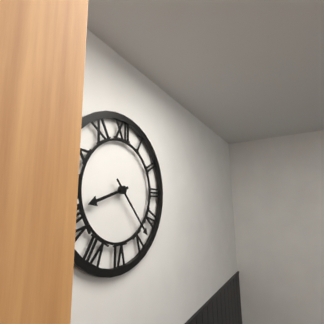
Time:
h=8 m=23
